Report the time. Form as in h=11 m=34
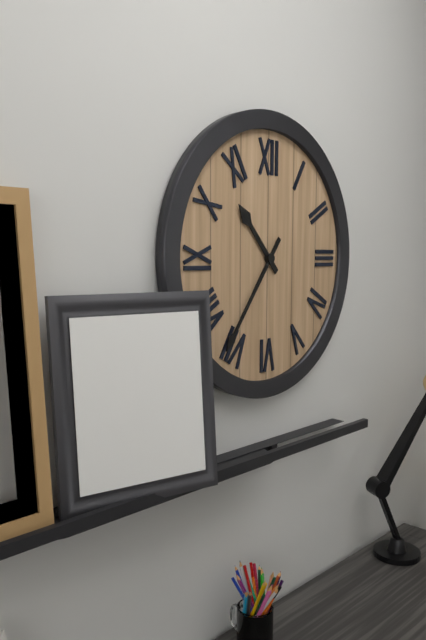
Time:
h=10 m=36
